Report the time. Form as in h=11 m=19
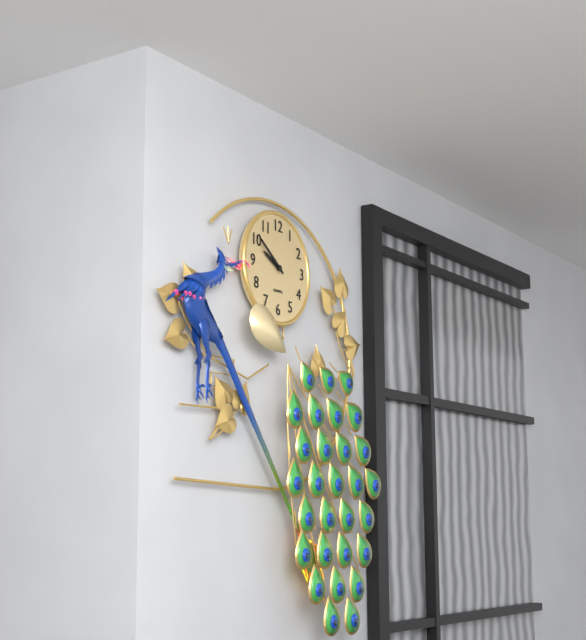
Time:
h=9 m=51
